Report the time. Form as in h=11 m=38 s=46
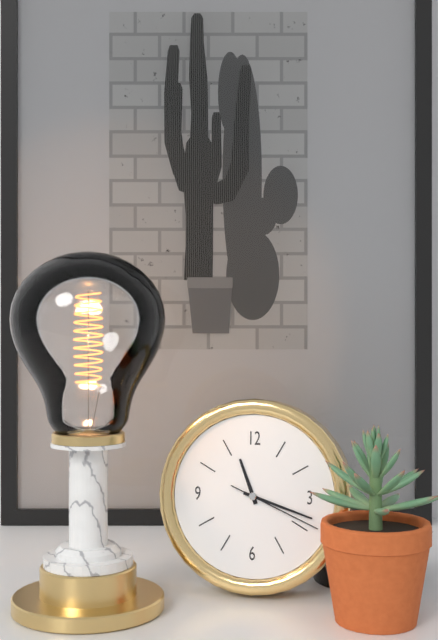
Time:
h=11 m=18 s=19
